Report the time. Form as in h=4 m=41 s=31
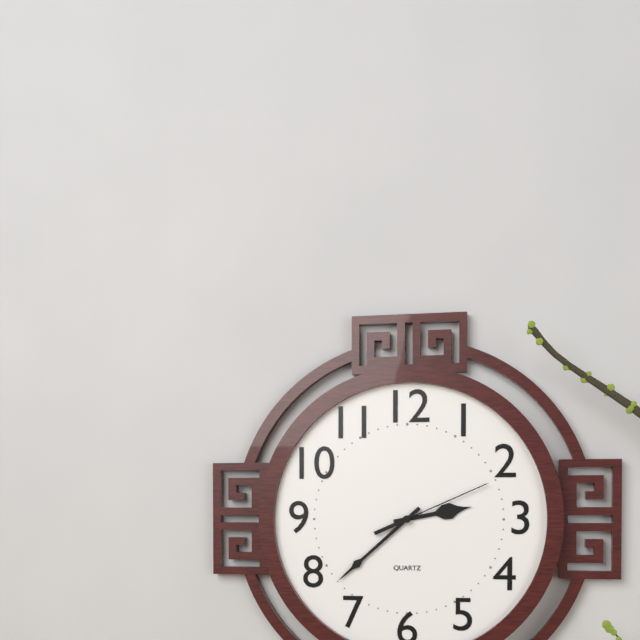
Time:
h=2 m=38 s=11
